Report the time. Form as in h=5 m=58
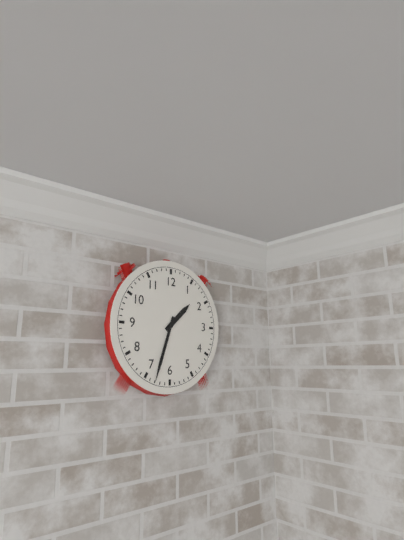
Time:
h=1 m=33
